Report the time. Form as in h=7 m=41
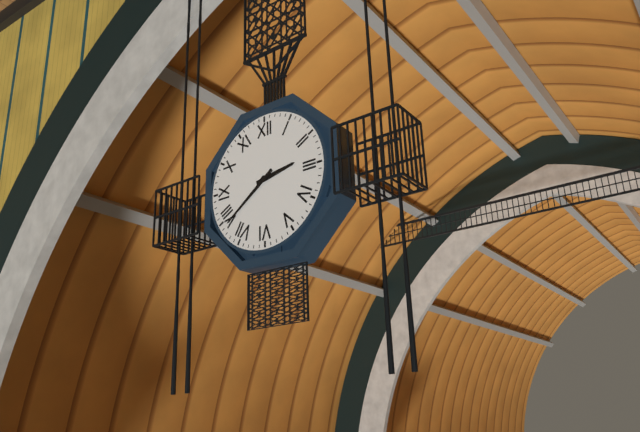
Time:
h=2 m=39
